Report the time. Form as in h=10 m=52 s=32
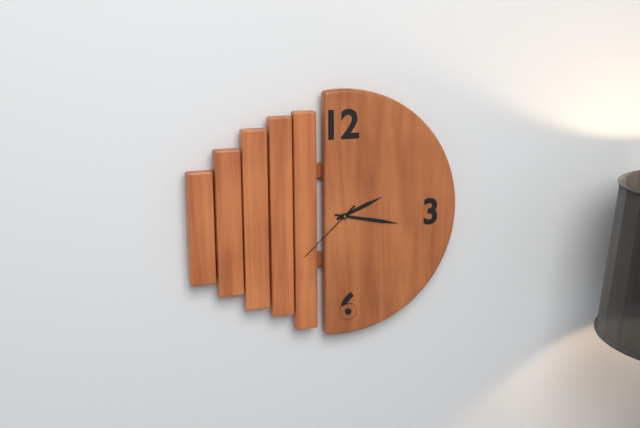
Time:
h=2 m=17 s=38
